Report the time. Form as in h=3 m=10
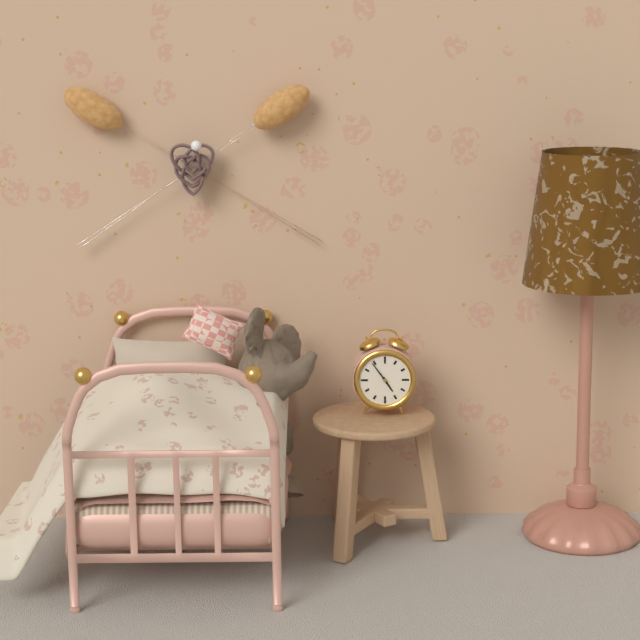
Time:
h=4 m=54
